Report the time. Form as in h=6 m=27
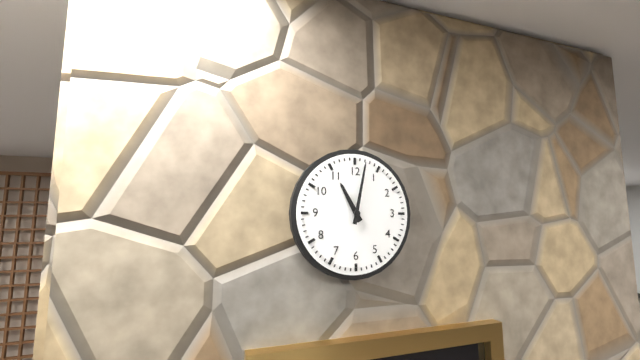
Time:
h=11 m=2
